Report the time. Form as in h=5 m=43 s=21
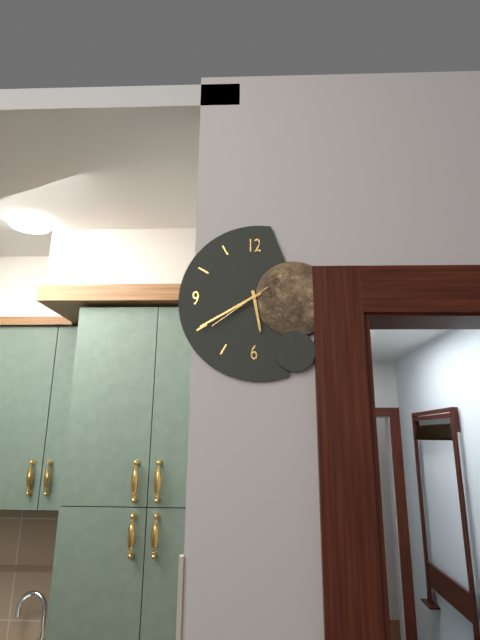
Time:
h=5 m=40 s=39
